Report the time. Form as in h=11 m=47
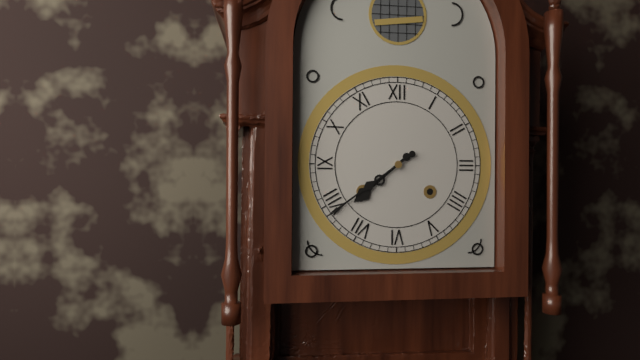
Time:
h=7 m=39
